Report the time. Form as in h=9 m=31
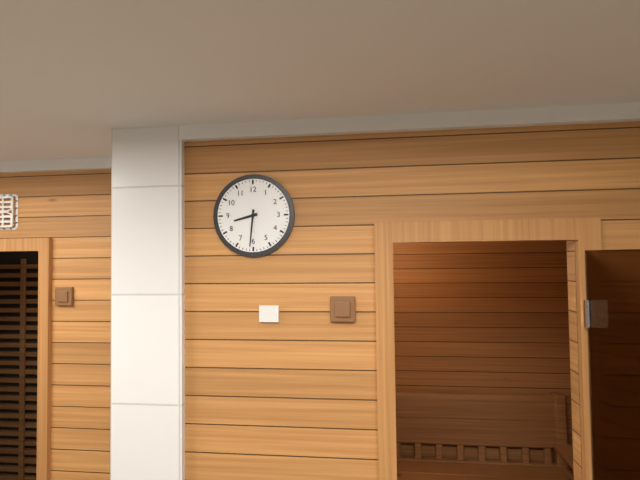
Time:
h=8 m=31
